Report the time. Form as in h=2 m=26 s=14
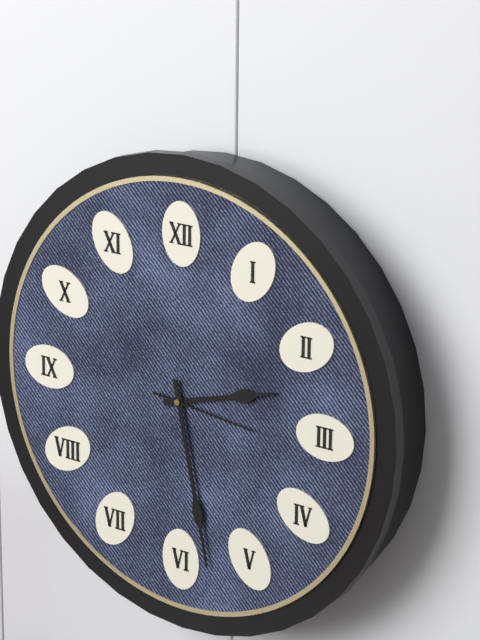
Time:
h=2 m=28 s=16
